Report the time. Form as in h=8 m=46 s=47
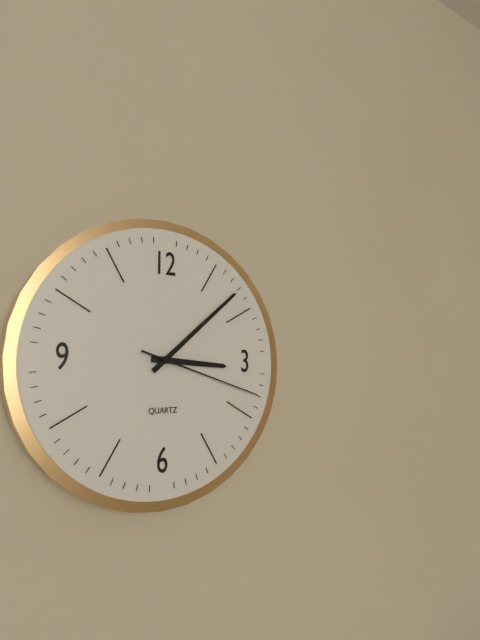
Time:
h=3 m=8 s=18
